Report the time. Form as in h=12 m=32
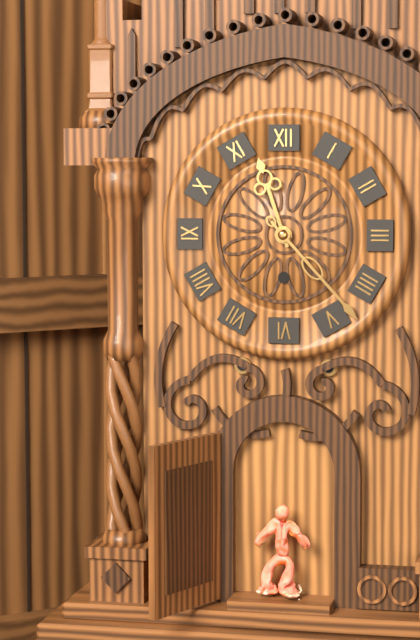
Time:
h=11 m=23
